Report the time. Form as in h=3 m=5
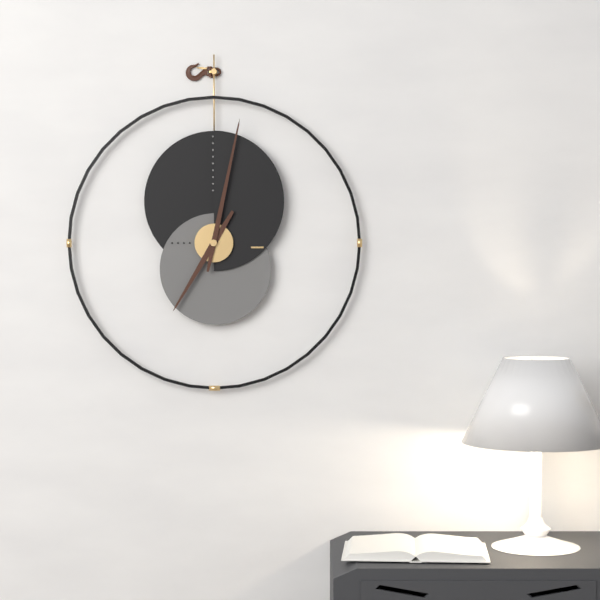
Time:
h=7 m=2
